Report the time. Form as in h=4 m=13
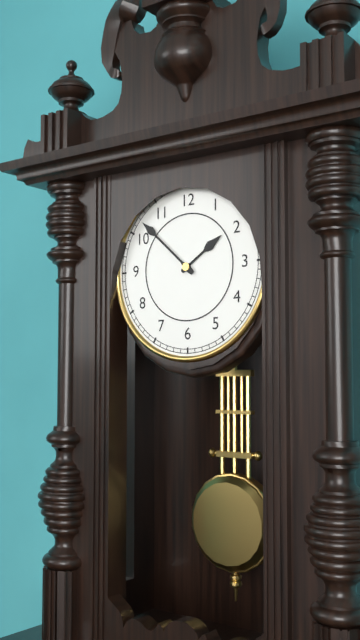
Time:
h=1 m=52
